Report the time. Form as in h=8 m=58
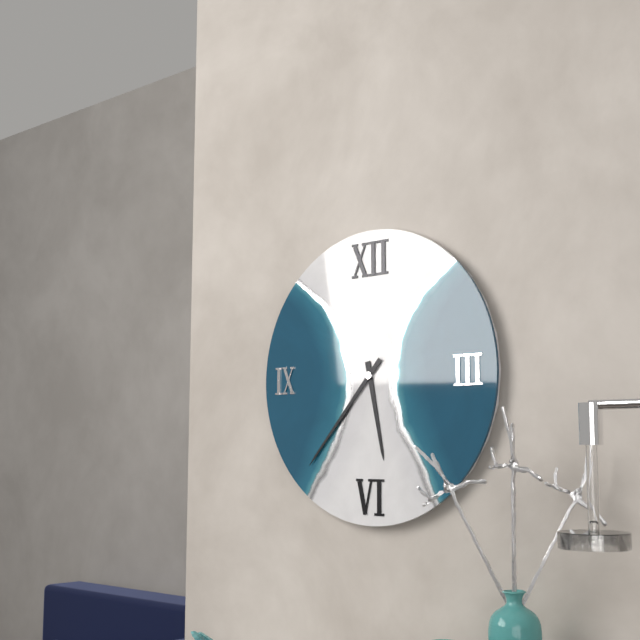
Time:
h=5 m=37
